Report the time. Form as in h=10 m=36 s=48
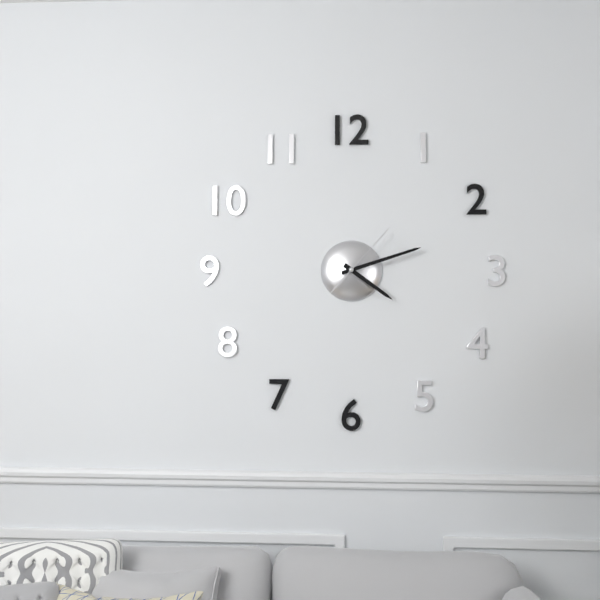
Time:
h=4 m=12 s=7
